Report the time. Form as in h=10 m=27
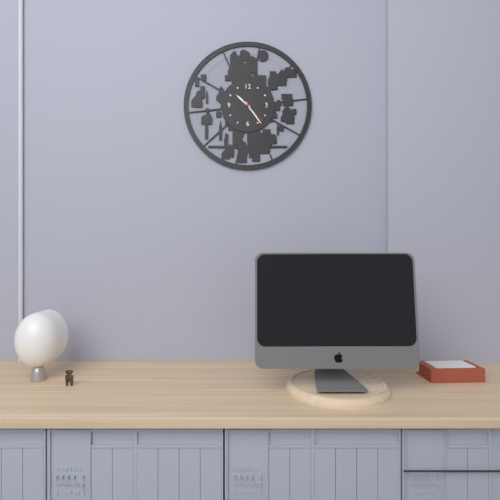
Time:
h=10 m=24
